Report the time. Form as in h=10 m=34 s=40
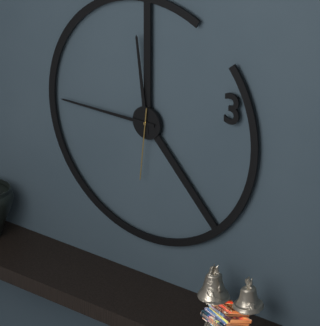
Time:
h=11 m=45 s=31
